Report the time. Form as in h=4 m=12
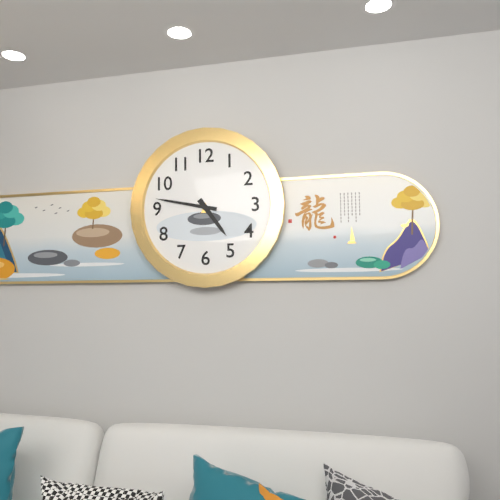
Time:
h=4 m=47
